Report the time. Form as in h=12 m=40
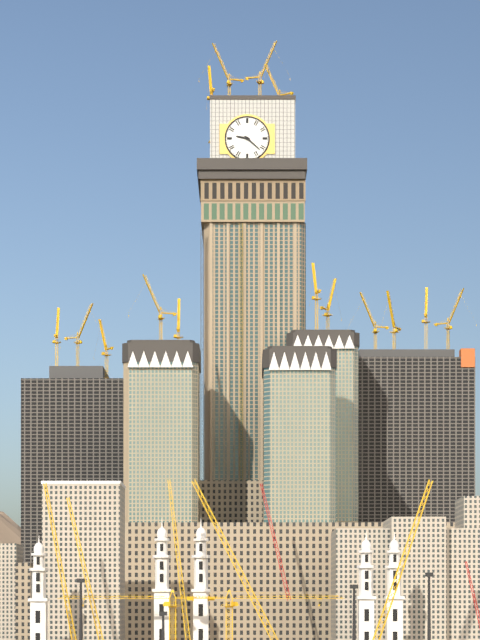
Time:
h=9 m=22
